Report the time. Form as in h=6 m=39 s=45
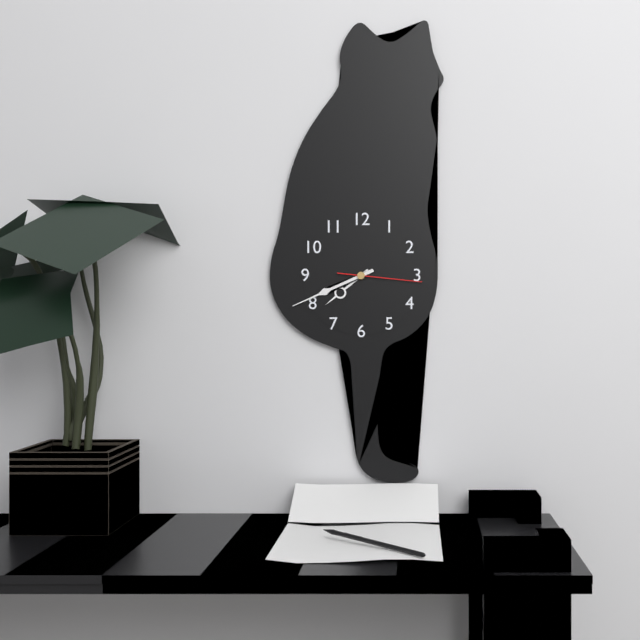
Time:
h=7 m=41 s=16
